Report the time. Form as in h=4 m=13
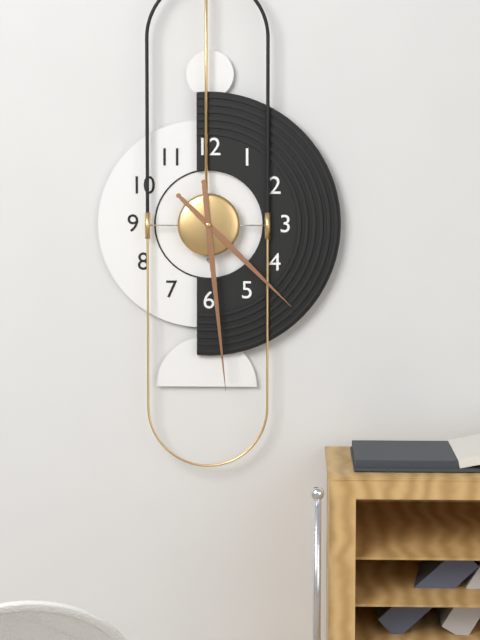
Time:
h=4 m=29
